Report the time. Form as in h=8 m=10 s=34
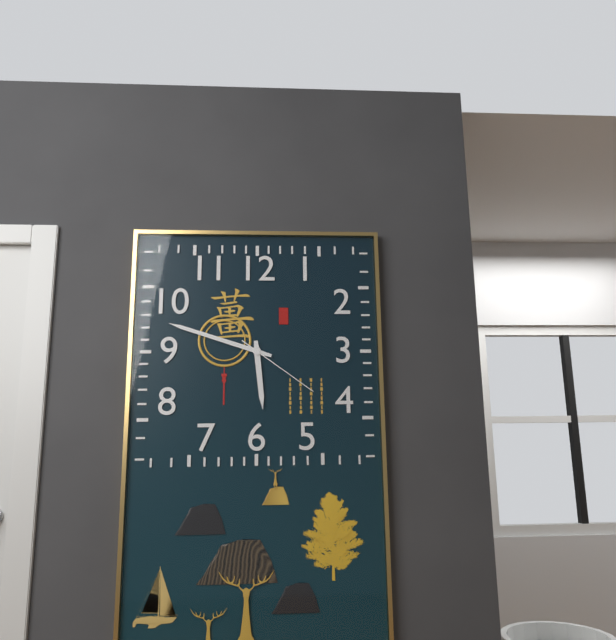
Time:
h=5 m=48 s=21
